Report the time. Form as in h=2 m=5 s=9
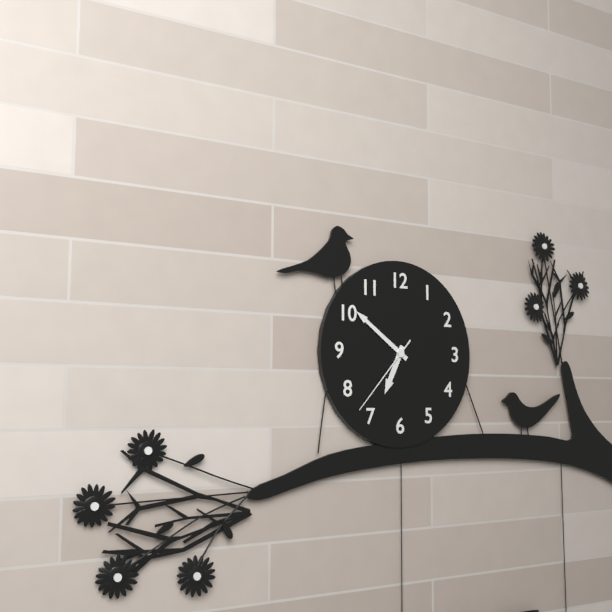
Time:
h=6 m=51 s=37
